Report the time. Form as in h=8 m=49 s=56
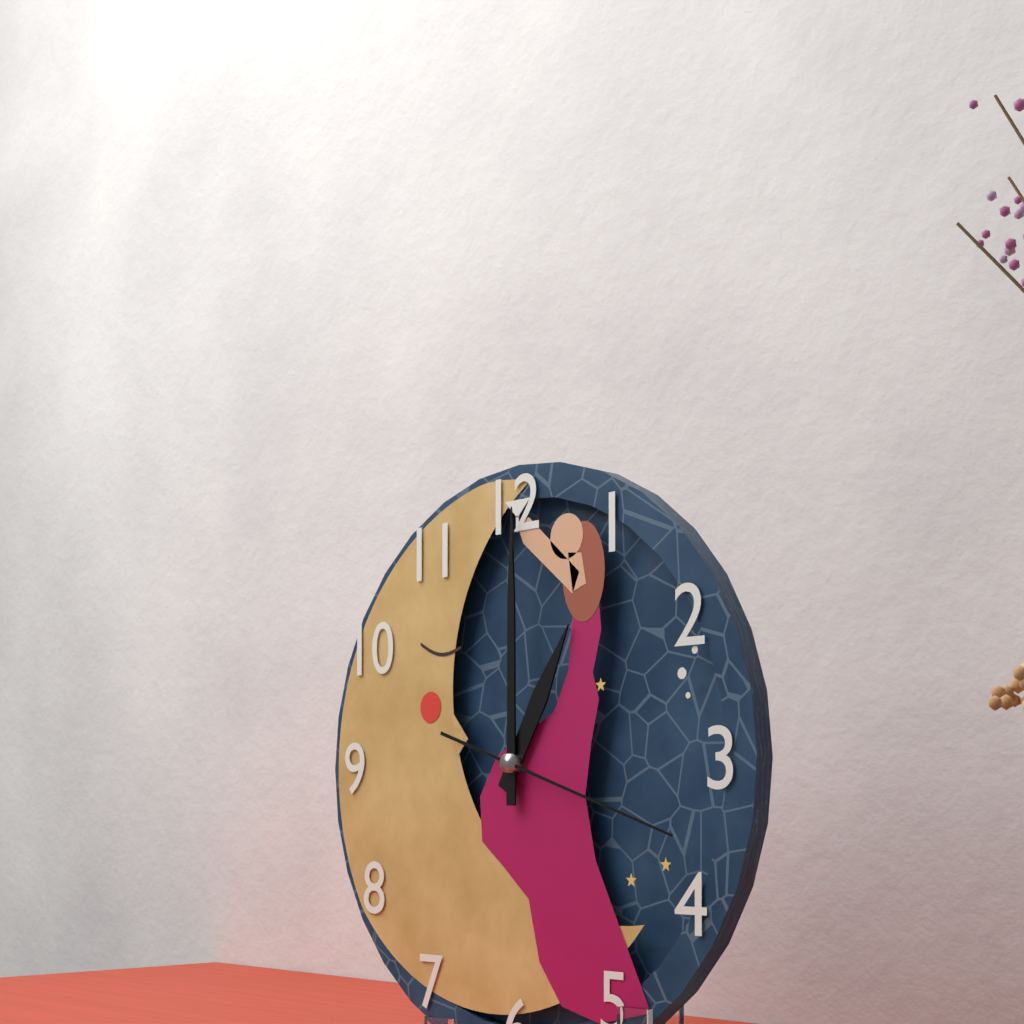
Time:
h=1 m=0 s=18
